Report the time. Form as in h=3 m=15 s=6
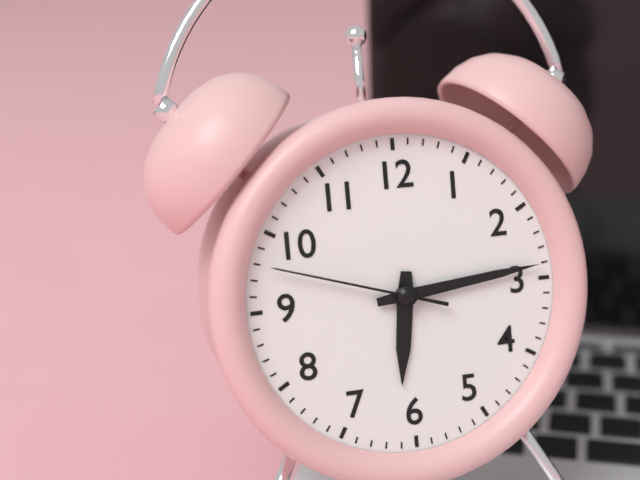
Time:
h=6 m=14 s=48
